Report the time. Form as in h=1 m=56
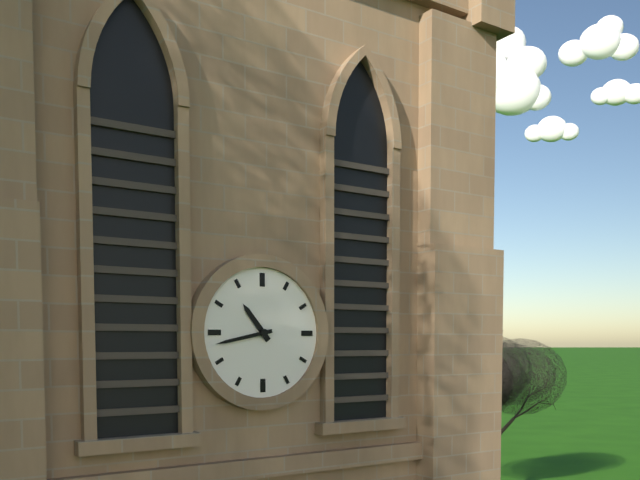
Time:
h=10 m=43
